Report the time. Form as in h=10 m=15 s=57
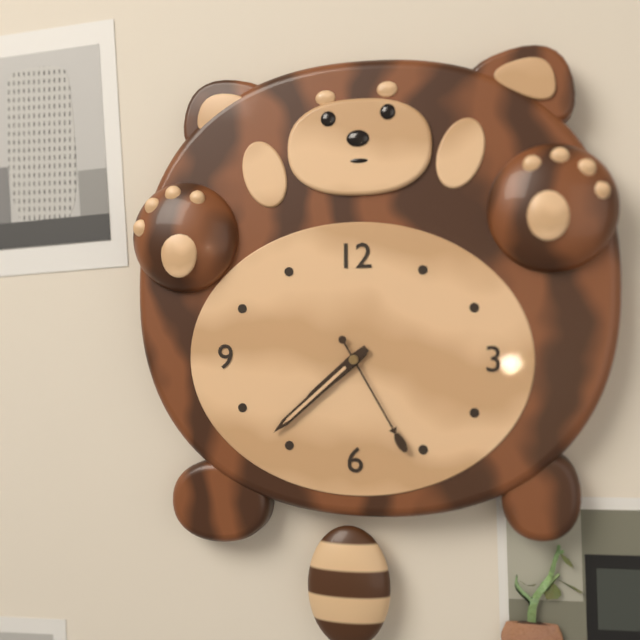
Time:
h=7 m=38 s=25
